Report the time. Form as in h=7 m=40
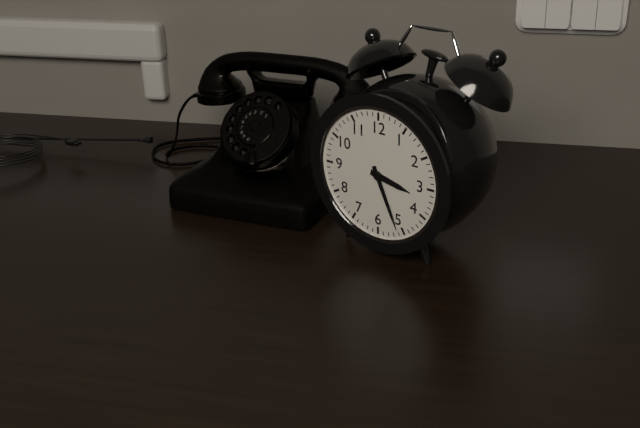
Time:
h=3 m=26
